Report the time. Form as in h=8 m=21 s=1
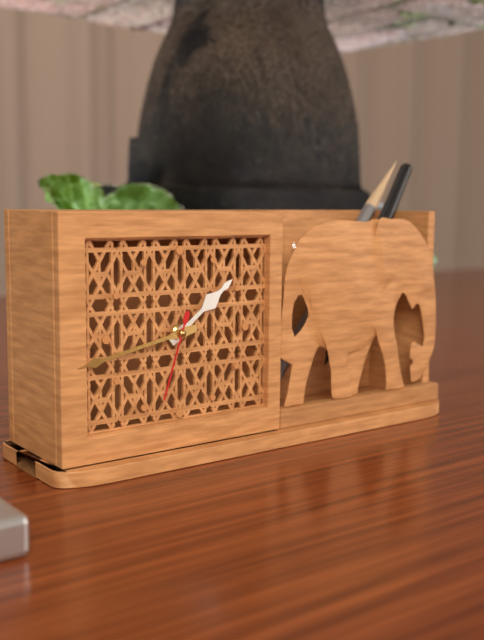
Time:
h=1 m=43 s=33
